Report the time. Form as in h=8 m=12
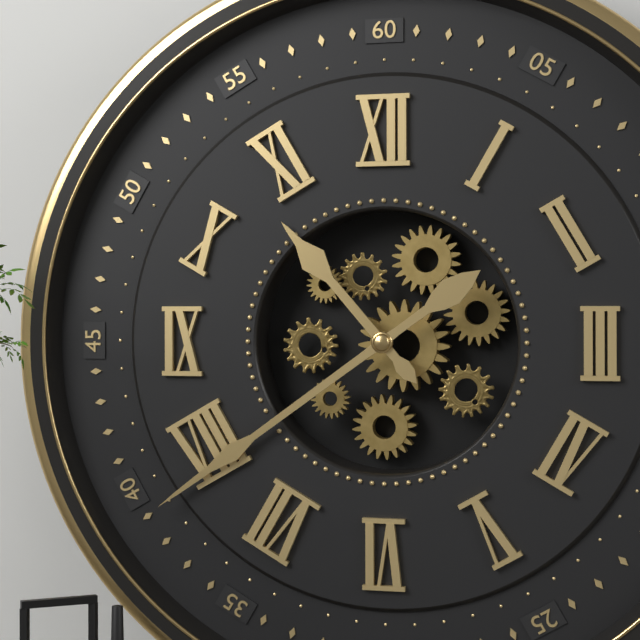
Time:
h=10 m=39
